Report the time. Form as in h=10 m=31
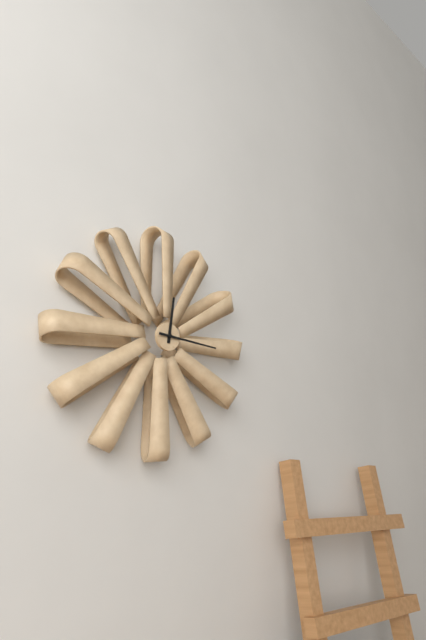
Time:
h=12 m=16
